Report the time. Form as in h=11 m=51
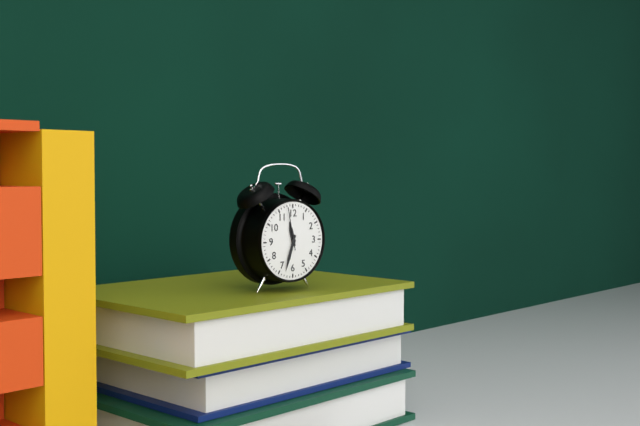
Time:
h=11 m=33
